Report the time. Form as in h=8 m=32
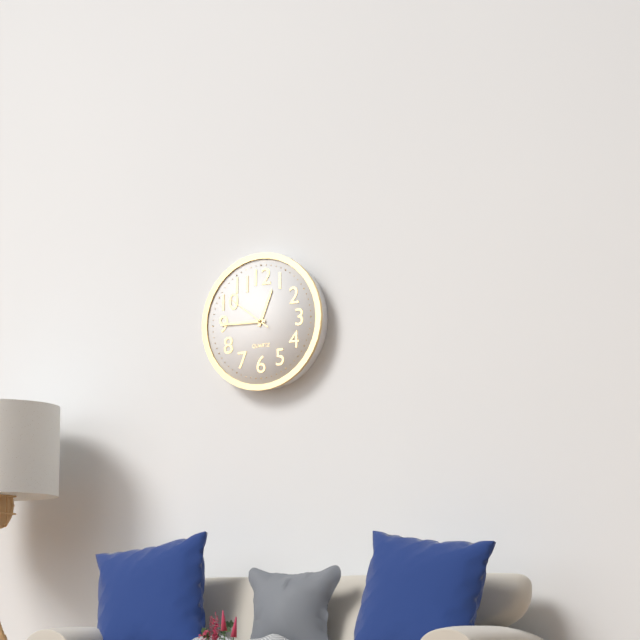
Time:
h=12 m=45
